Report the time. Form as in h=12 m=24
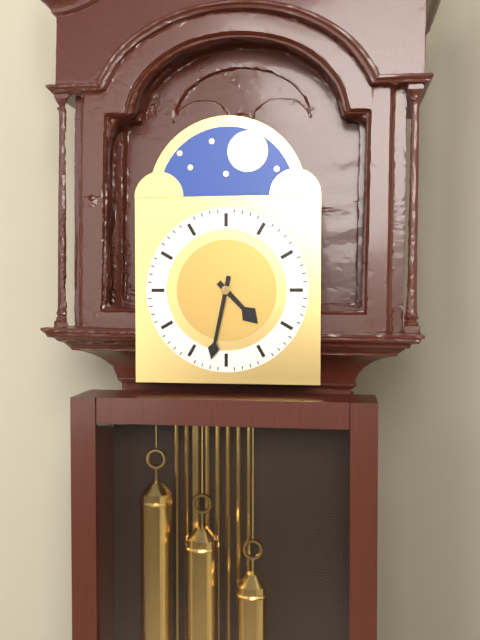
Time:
h=4 m=32
